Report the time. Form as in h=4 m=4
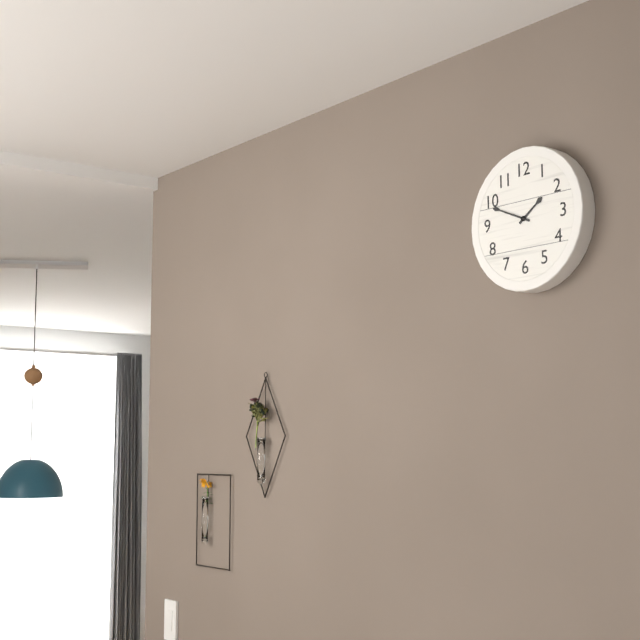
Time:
h=1 m=49
